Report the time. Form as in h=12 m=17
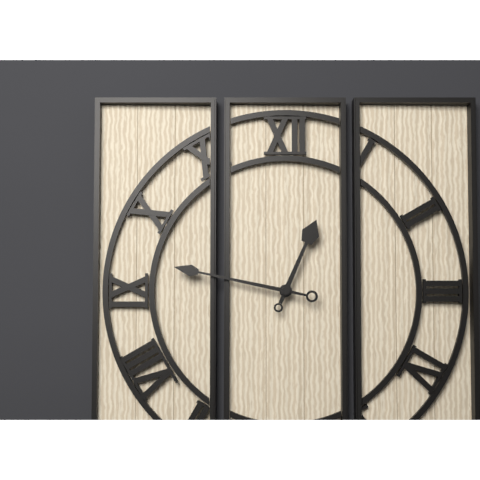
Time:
h=12 m=47
